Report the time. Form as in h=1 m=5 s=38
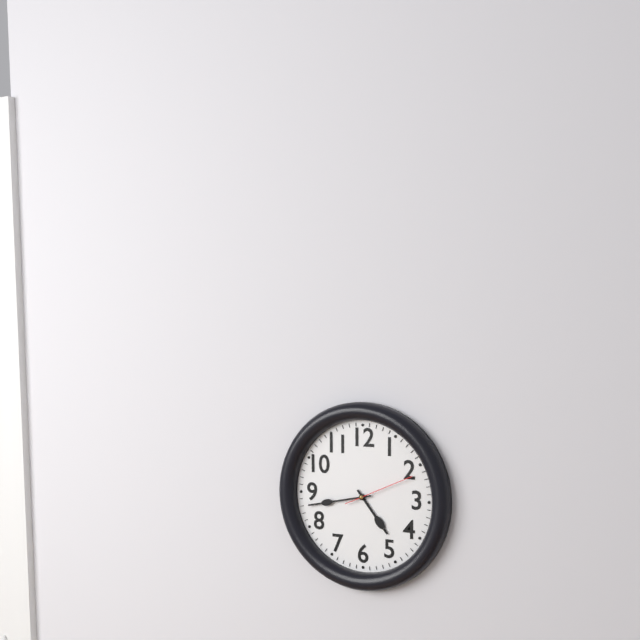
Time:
h=4 m=43 s=11
